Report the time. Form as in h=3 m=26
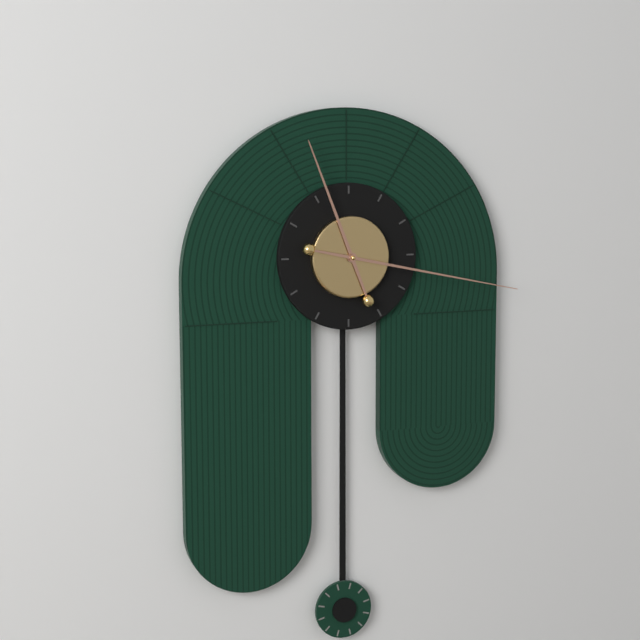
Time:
h=11 m=17
